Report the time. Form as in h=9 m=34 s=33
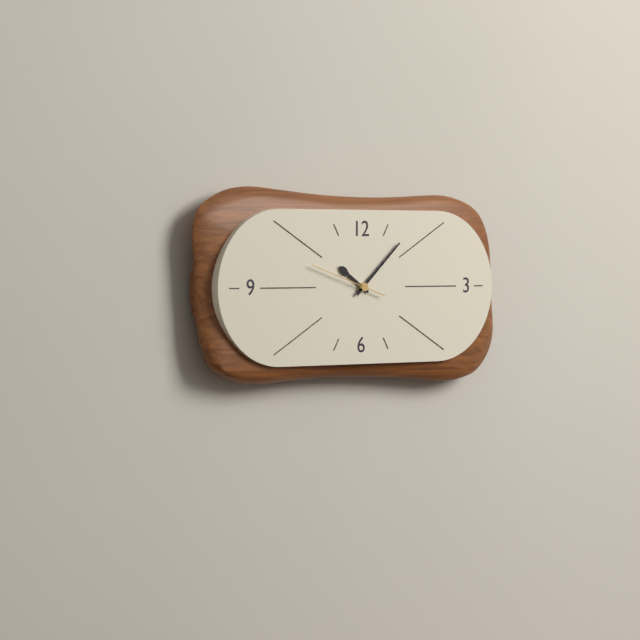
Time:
h=10 m=8 s=48
